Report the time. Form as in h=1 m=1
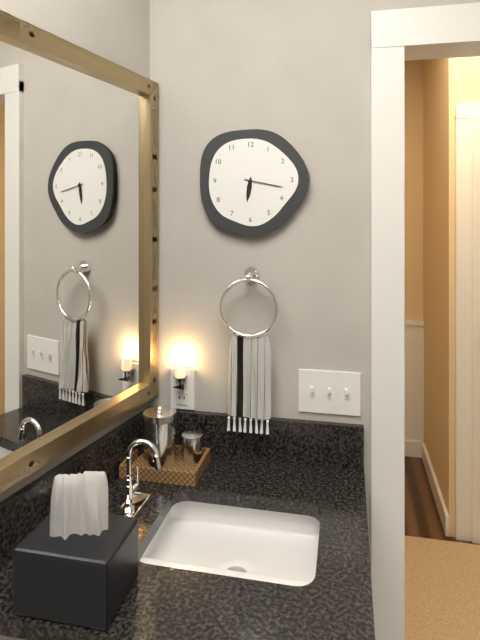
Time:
h=6 m=17
